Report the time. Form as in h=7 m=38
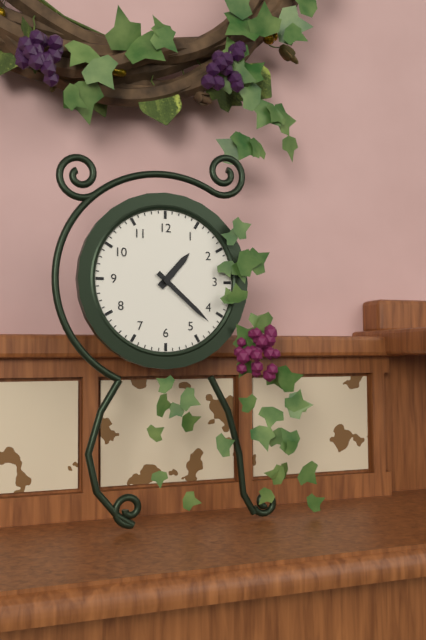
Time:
h=1 m=22
